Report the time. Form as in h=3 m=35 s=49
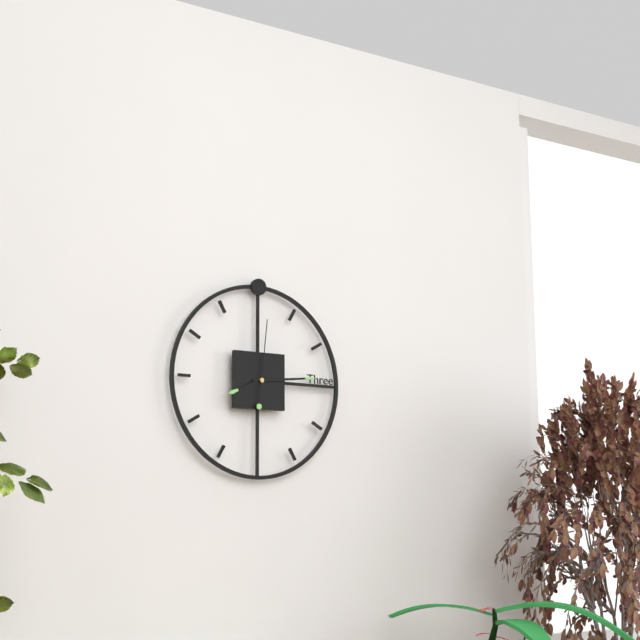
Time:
h=8 m=14 s=1
